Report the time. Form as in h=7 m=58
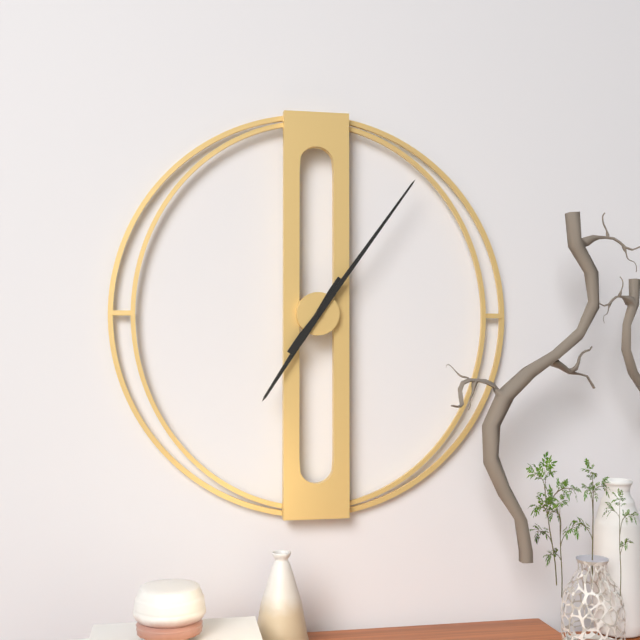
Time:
h=7 m=6
